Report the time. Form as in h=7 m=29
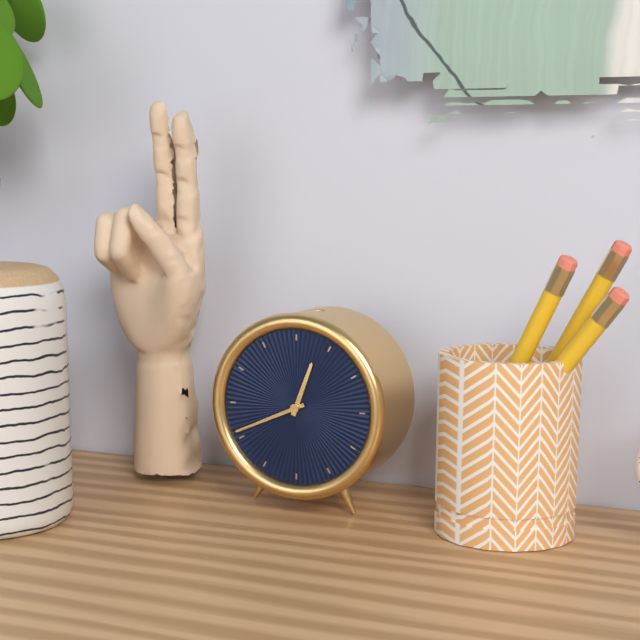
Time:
h=12 m=41
